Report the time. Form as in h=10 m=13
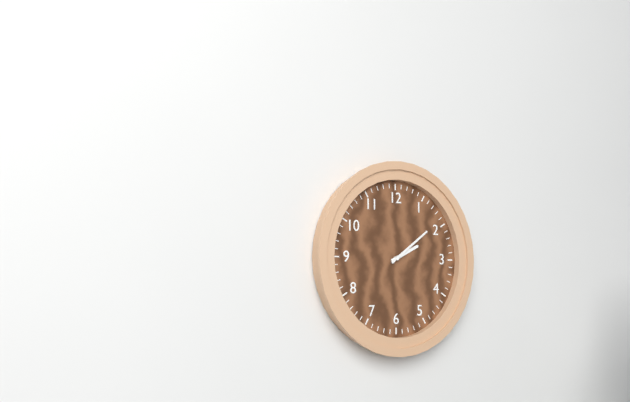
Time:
h=2 m=9
